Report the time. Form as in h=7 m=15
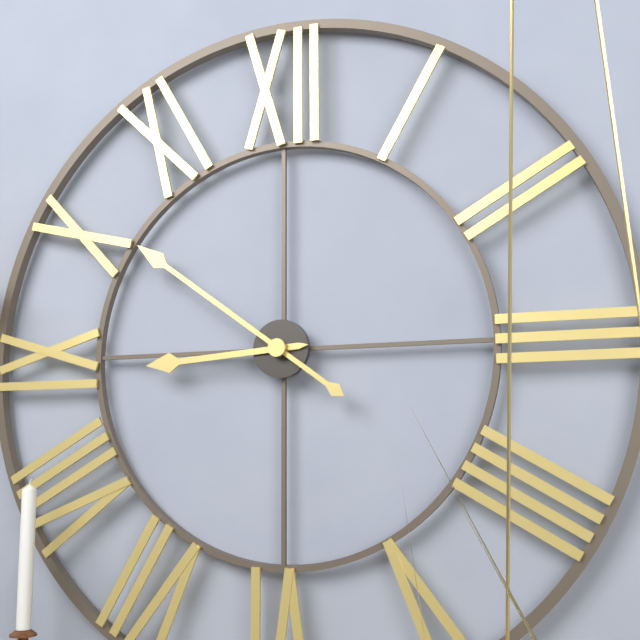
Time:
h=8 m=51
